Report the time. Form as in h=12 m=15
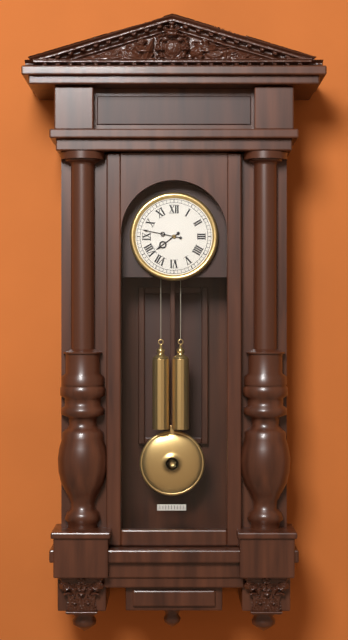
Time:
h=7 m=47
